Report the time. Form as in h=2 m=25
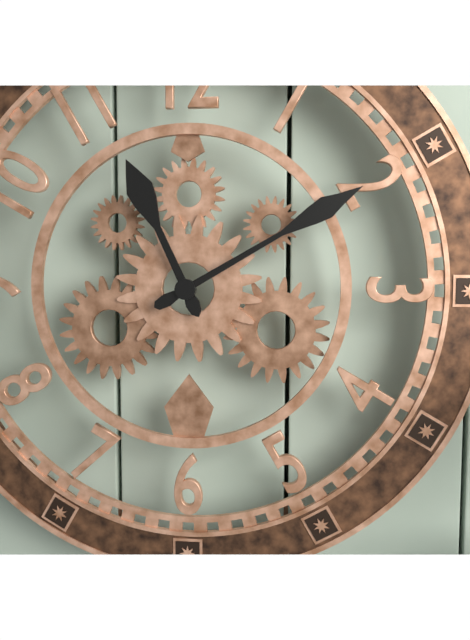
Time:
h=11 m=10
